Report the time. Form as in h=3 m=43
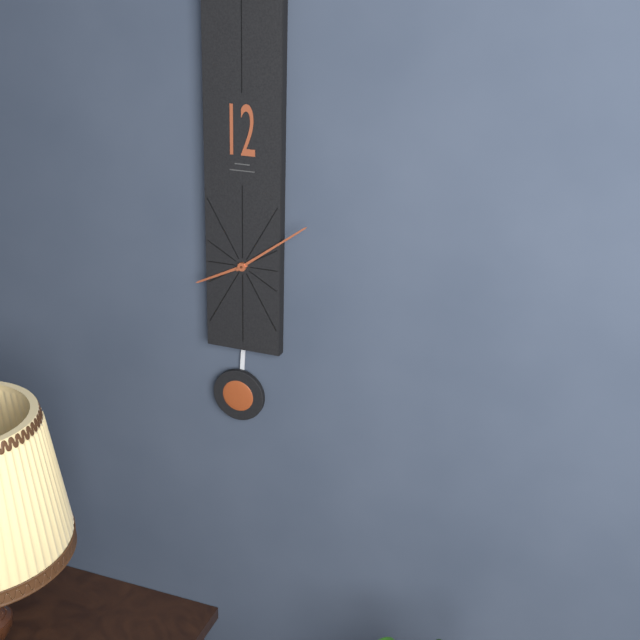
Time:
h=8 m=9
